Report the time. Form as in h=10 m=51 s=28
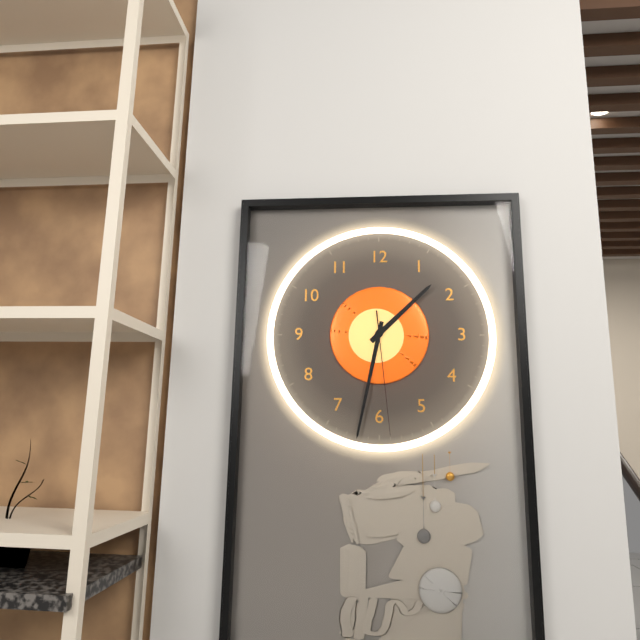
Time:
h=1 m=32 s=29
